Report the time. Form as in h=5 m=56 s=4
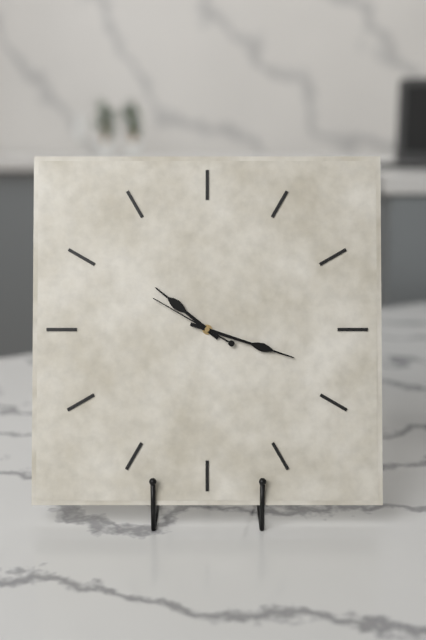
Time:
h=10 m=18 s=50
